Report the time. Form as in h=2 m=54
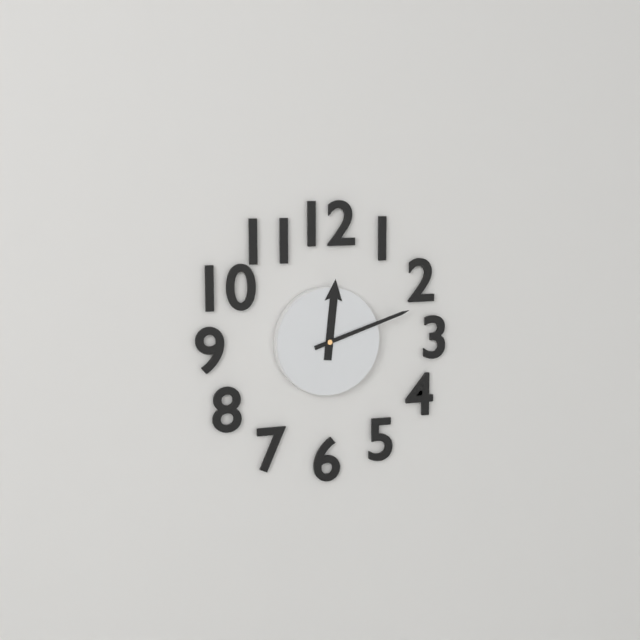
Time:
h=12 m=12
